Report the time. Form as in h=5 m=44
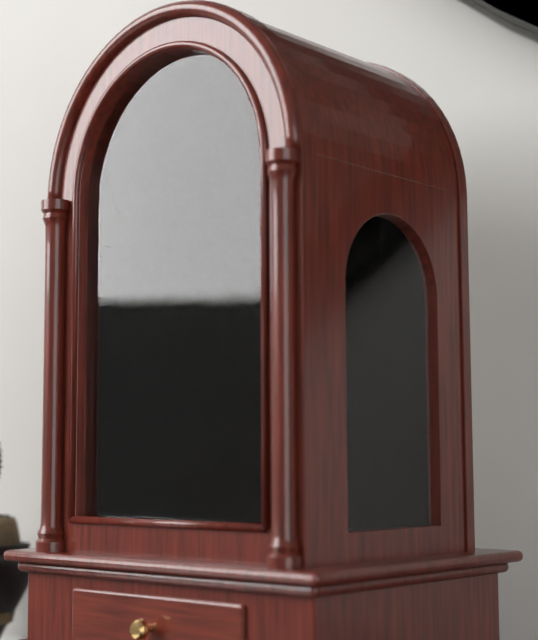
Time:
h=5 m=4
